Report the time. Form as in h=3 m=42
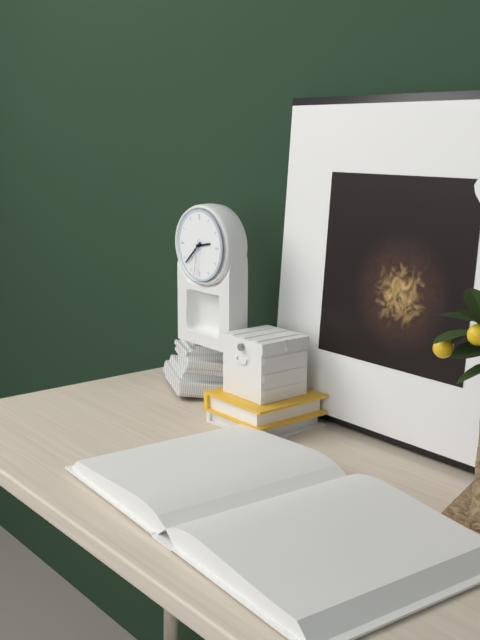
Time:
h=2 m=38
